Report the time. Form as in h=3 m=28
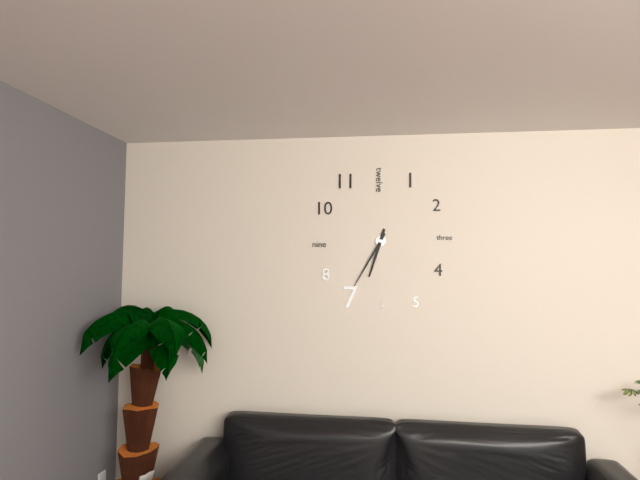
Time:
h=6 m=35
